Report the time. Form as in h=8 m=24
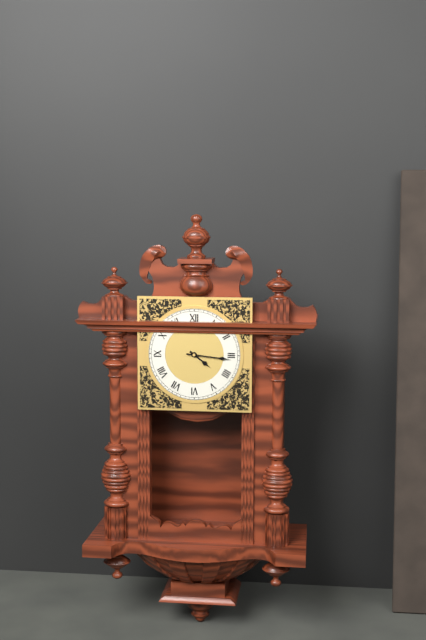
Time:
h=4 m=16
